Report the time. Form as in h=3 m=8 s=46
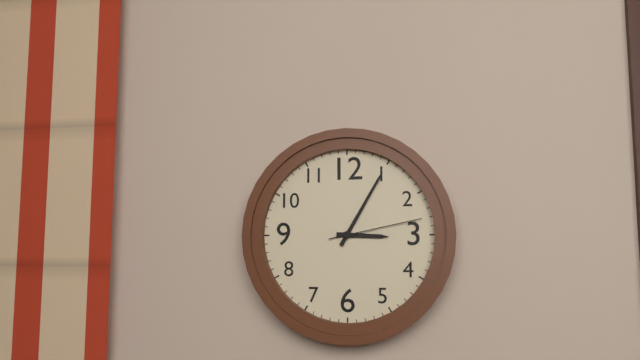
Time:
h=3 m=5 s=13
